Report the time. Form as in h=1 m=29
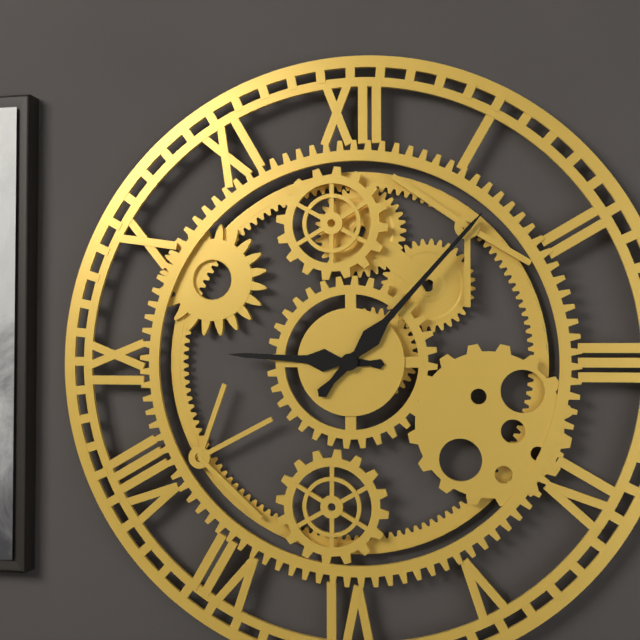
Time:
h=9 m=7
